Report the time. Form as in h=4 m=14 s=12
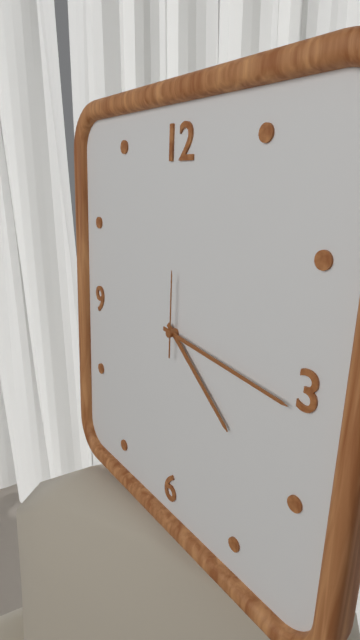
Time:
h=4 m=16 s=0
